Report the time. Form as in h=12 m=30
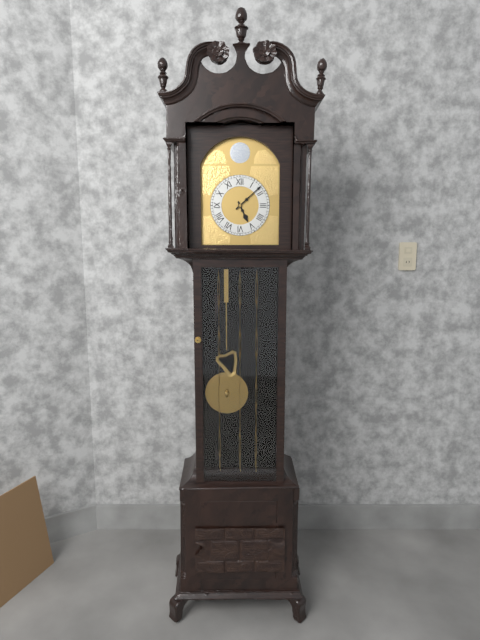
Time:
h=5 m=8
